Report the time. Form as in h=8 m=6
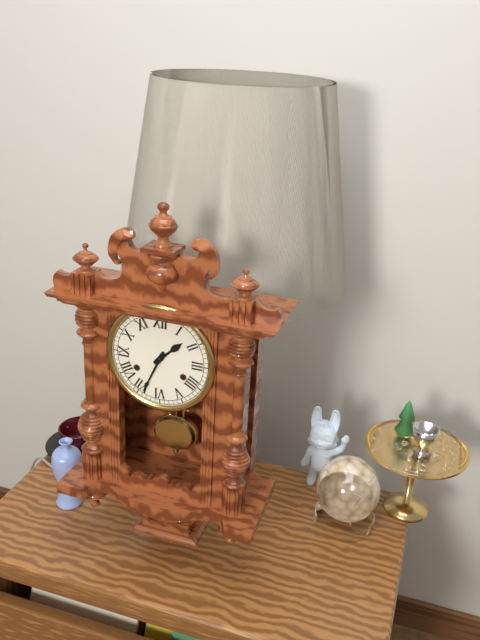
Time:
h=1 m=34
